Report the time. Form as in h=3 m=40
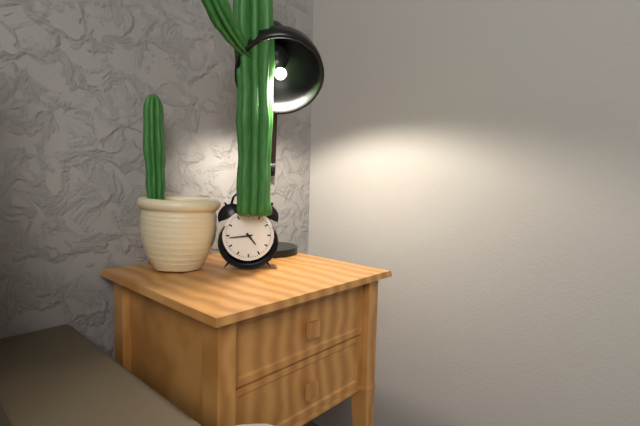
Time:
h=4 m=44
